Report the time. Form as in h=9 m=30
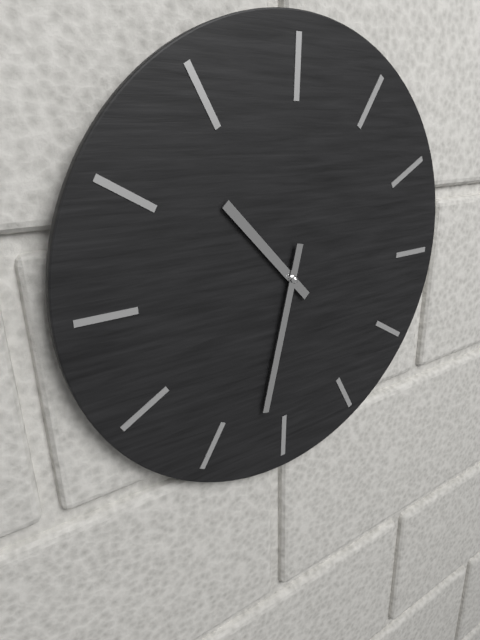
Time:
h=10 m=32
